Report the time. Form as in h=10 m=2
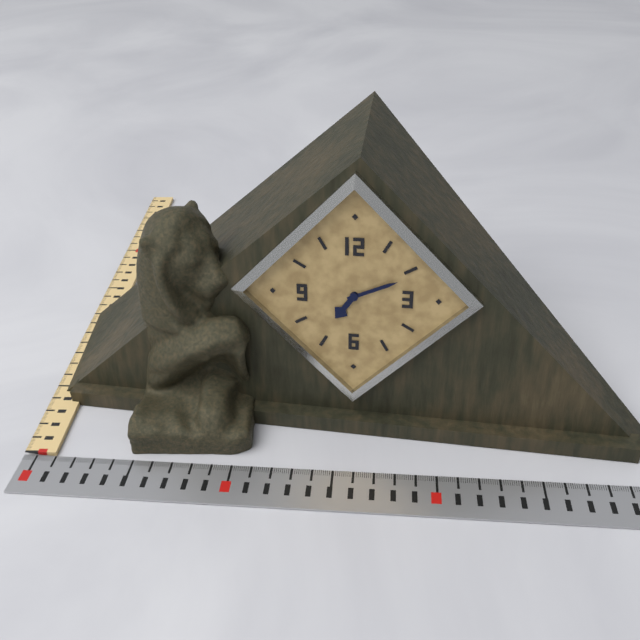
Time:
h=7 m=11
